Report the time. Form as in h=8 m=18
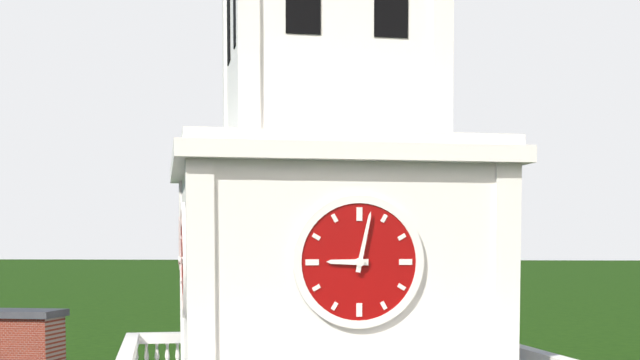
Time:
h=9 m=2
